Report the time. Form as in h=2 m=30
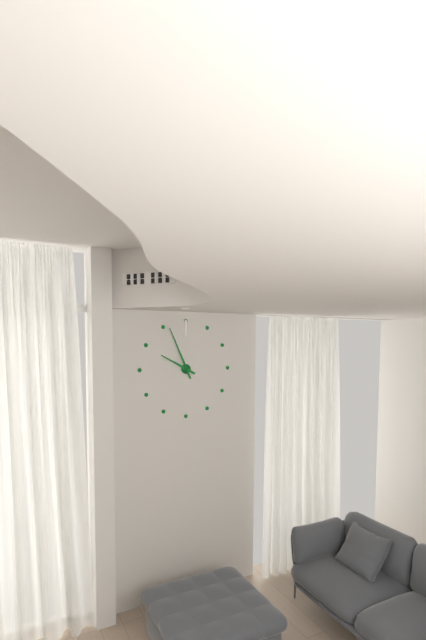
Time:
h=9 m=56
